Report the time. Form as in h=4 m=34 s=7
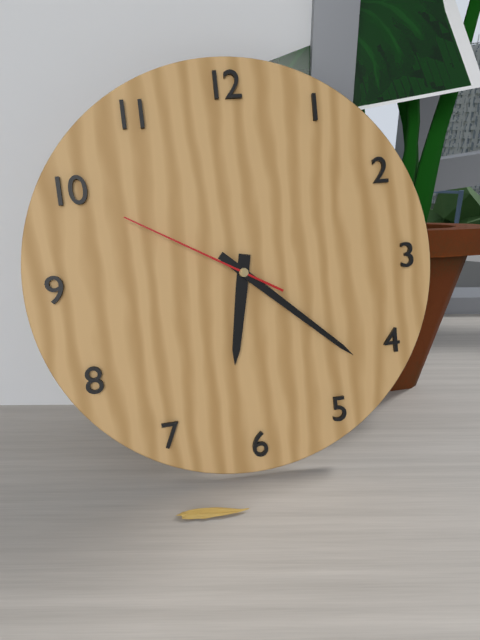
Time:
h=6 m=22 s=50
